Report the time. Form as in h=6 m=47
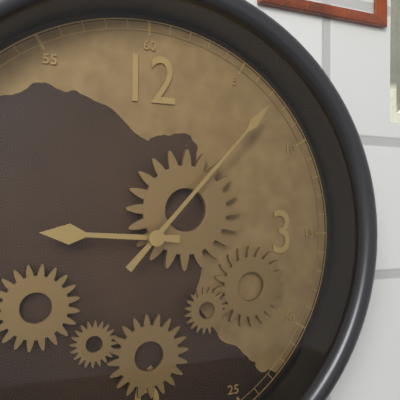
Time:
h=9 m=7
